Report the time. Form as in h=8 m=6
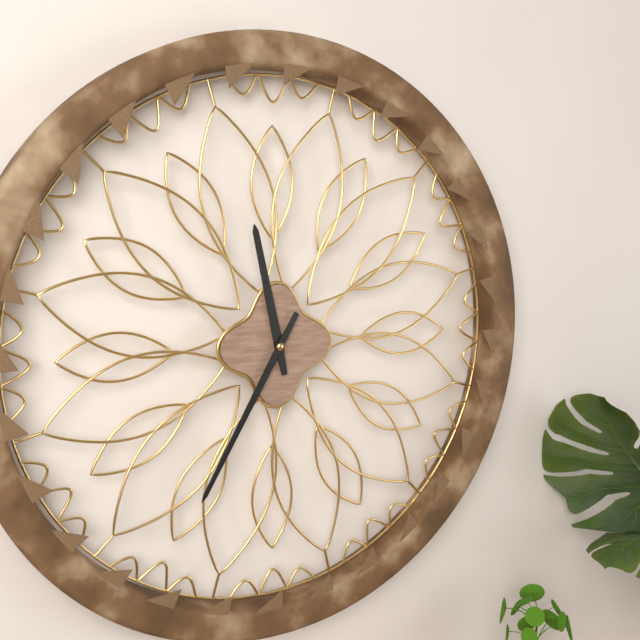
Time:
h=11 m=35
